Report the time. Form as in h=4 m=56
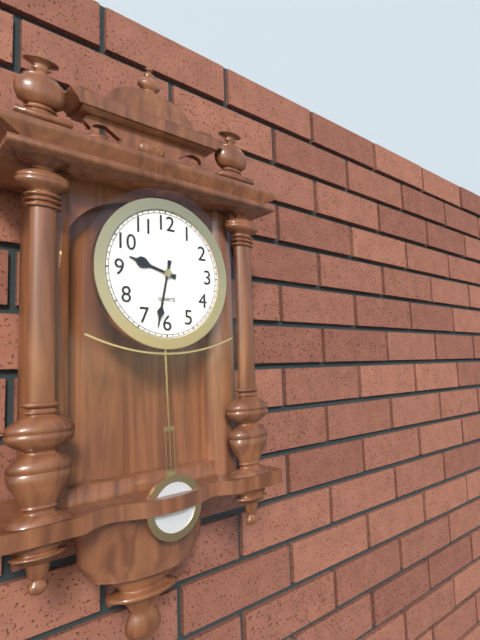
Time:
h=9 m=32
